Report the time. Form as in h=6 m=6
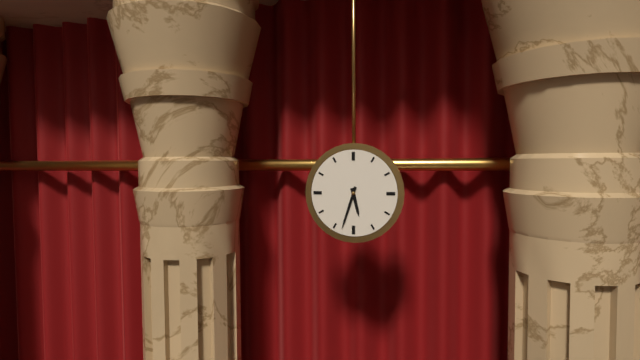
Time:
h=5 m=33
